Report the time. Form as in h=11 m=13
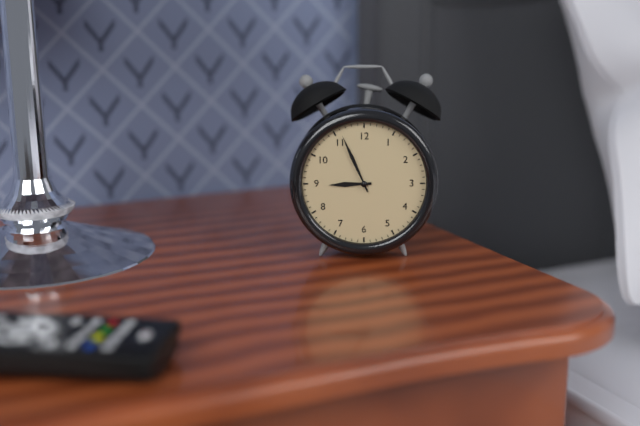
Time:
h=8 m=56
